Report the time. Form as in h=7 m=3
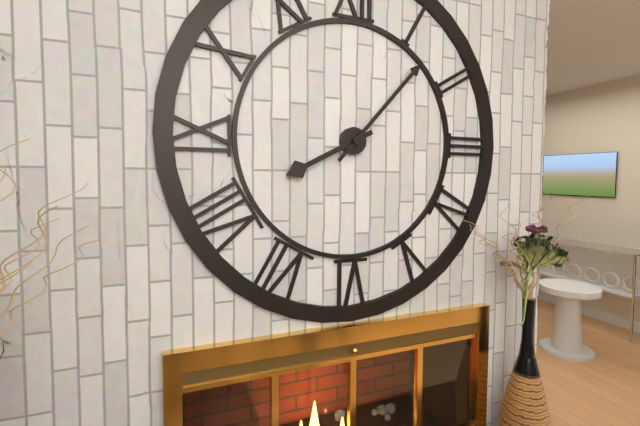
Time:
h=8 m=7
